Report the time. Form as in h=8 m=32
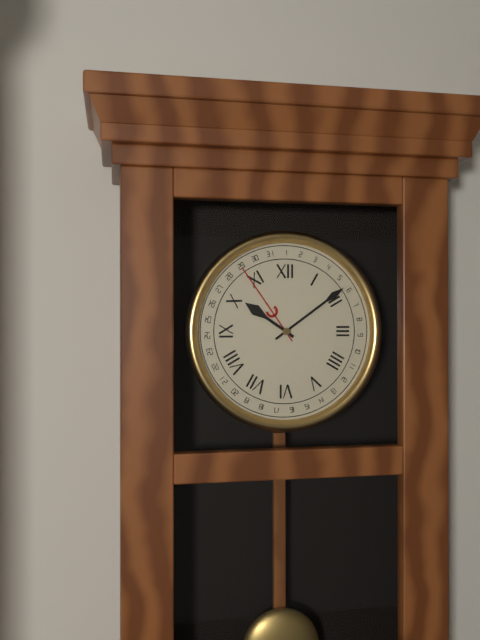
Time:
h=10 m=9
